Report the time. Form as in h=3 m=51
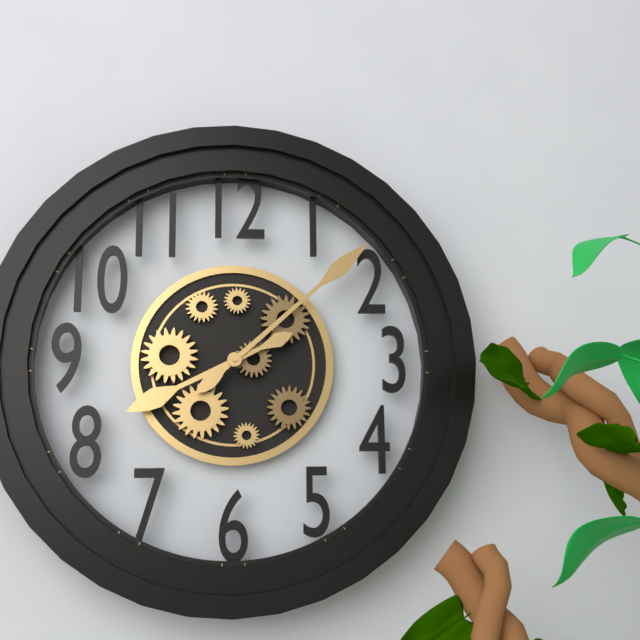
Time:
h=8 m=8
